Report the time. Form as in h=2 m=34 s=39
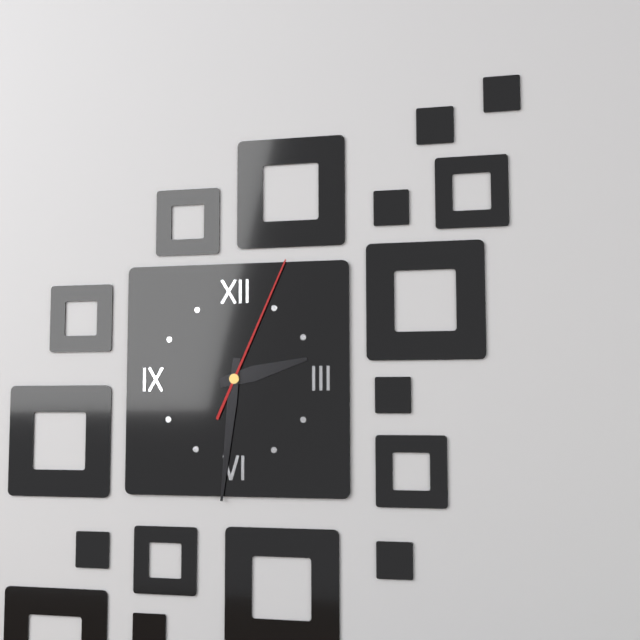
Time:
h=2 m=31 s=4
